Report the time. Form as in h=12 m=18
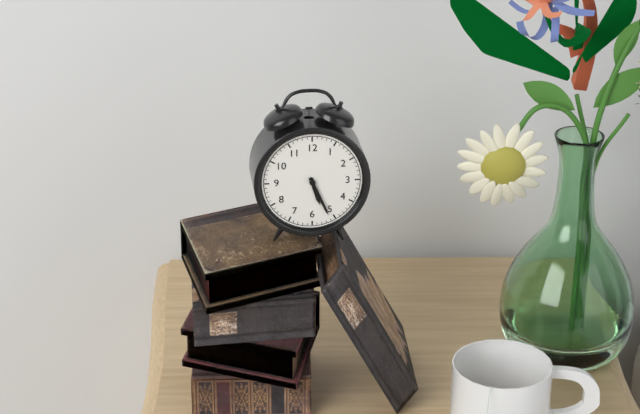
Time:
h=5 m=26
